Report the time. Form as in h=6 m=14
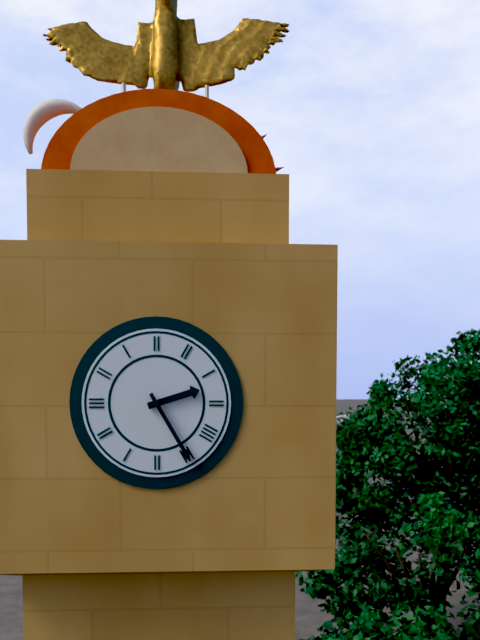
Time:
h=2 m=25
